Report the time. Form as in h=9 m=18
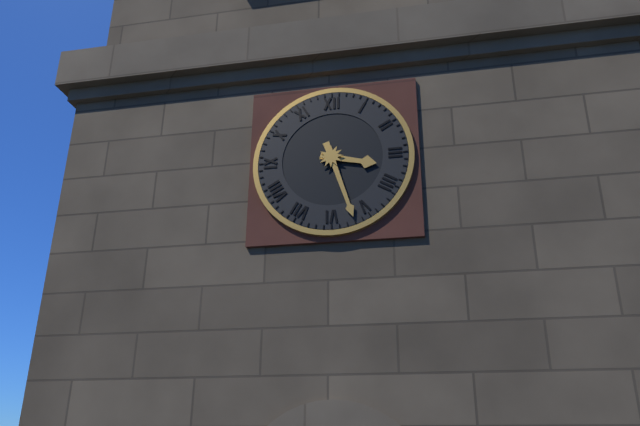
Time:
h=3 m=27
